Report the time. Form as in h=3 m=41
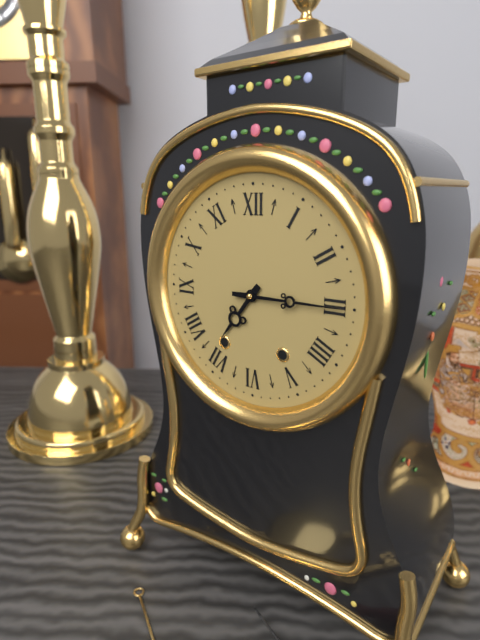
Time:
h=7 m=15
